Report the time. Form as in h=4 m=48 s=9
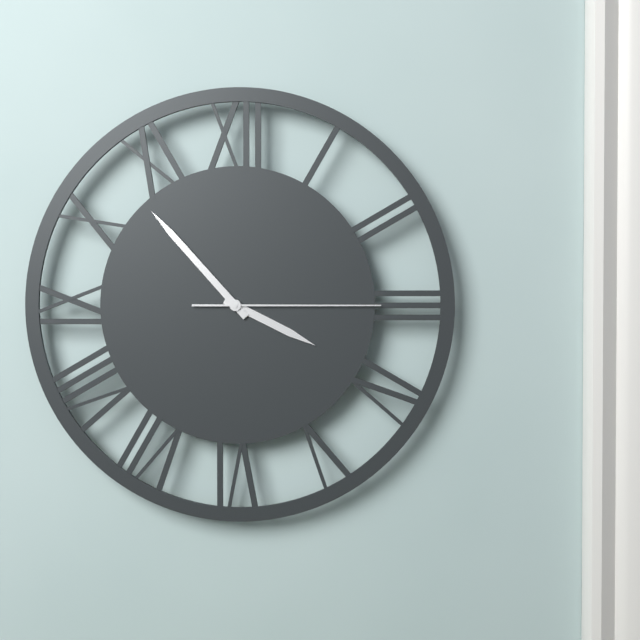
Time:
h=3 m=53 s=15
